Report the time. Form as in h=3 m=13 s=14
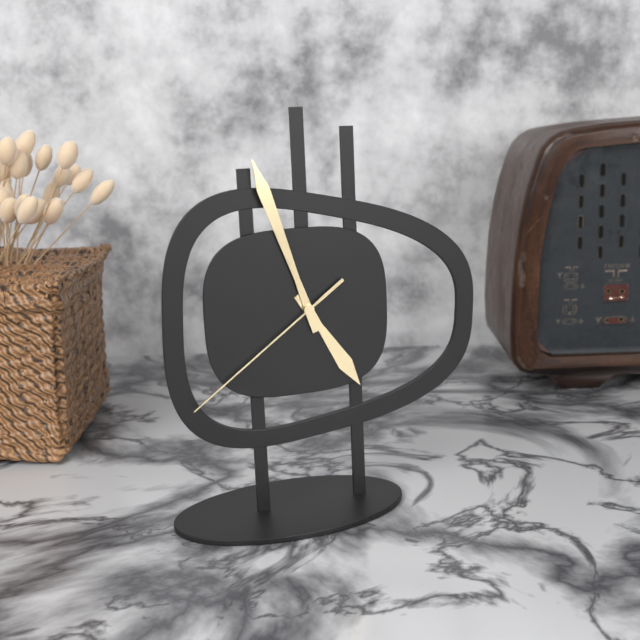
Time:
h=4 m=57 s=39
